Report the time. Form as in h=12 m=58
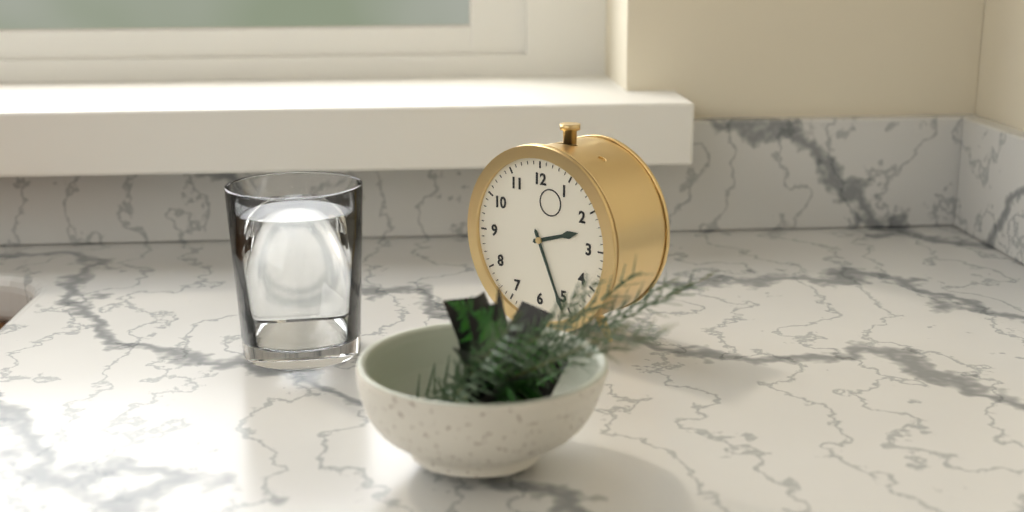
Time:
h=2 m=26
